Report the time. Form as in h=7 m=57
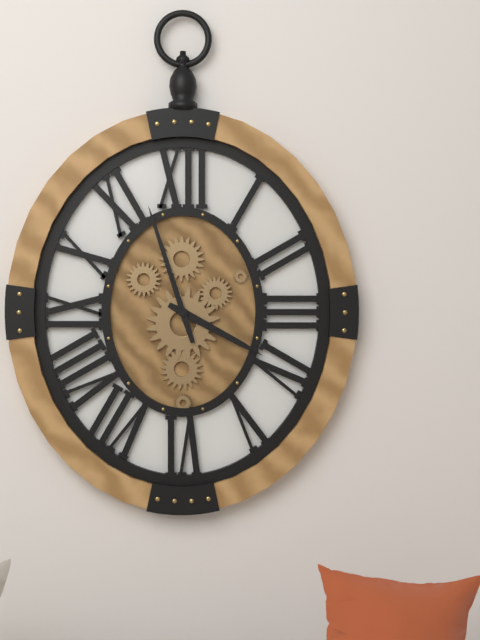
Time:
h=3 m=57
